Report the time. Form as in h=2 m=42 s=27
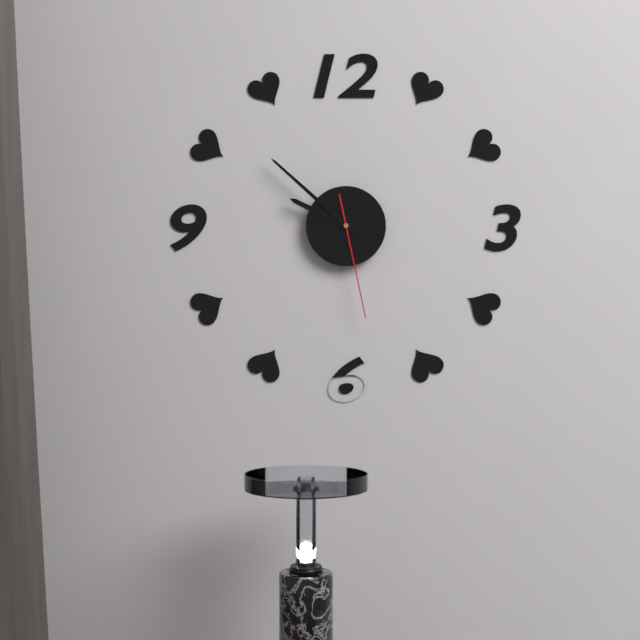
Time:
h=9 m=52 s=28
